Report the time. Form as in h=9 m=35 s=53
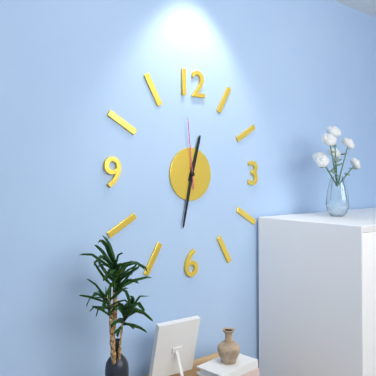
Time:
h=12 m=32 s=59
